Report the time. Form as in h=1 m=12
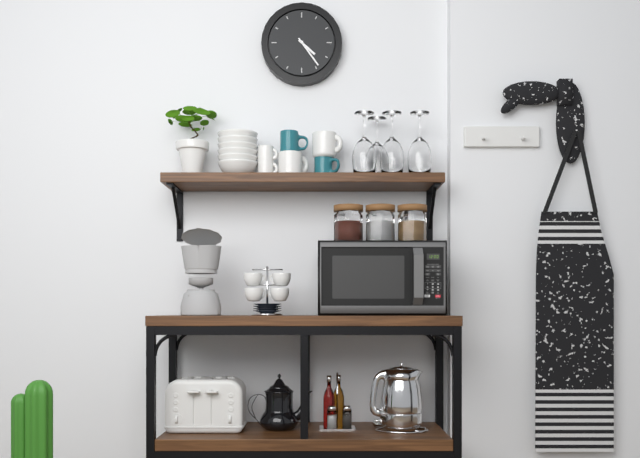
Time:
h=4 m=24
